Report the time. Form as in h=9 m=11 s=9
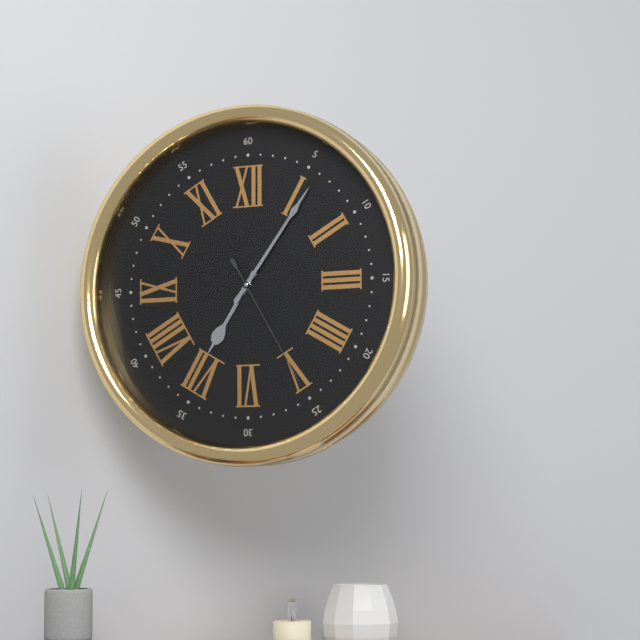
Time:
h=7 m=6 s=25
